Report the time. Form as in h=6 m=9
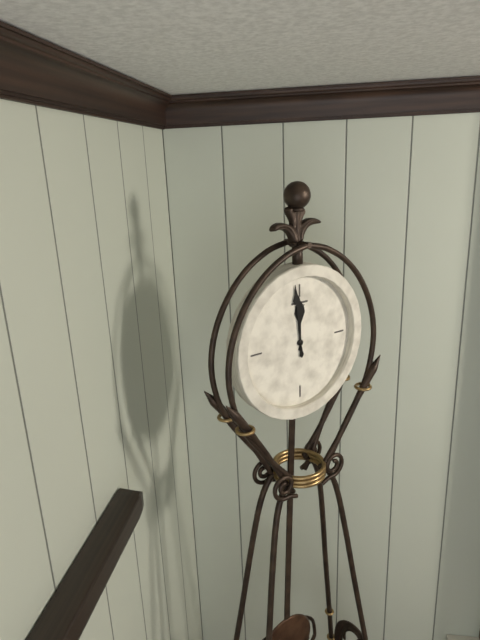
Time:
h=11 m=59
